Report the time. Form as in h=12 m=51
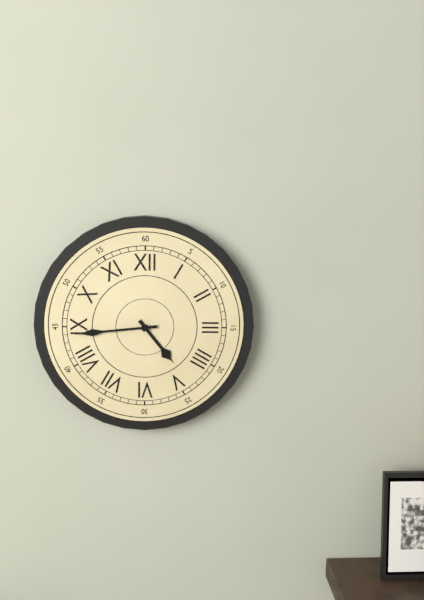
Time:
h=4 m=44
